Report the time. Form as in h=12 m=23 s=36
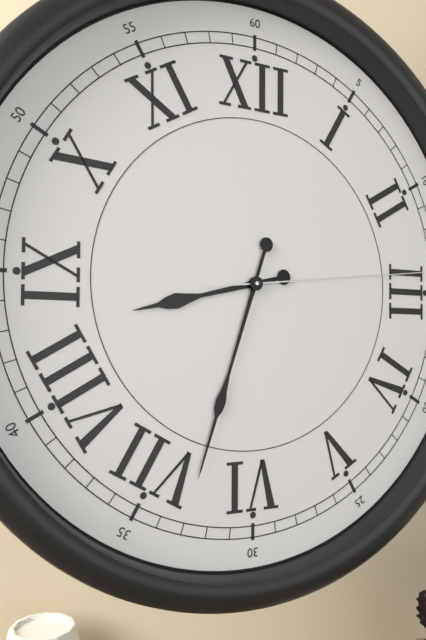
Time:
h=8 m=33 s=14
